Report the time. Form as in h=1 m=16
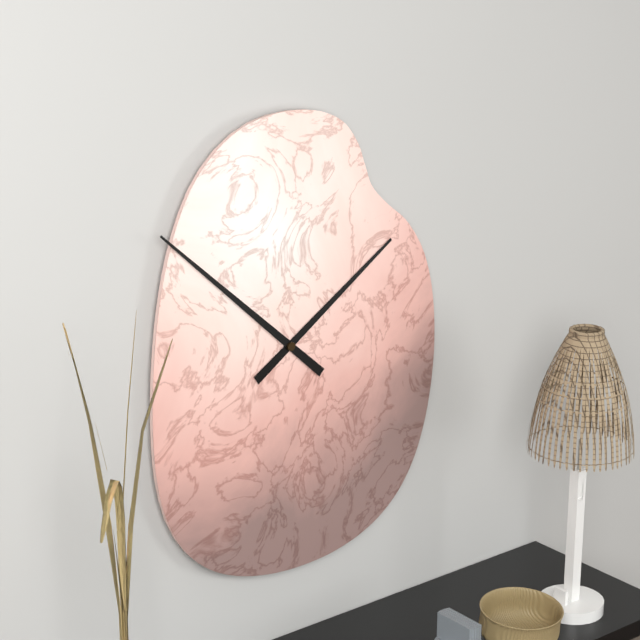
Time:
h=1 m=52
